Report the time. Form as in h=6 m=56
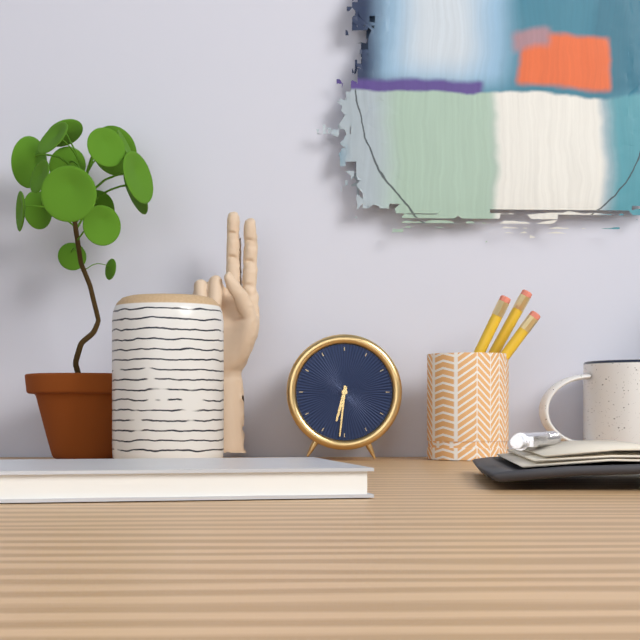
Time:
h=6 m=31
